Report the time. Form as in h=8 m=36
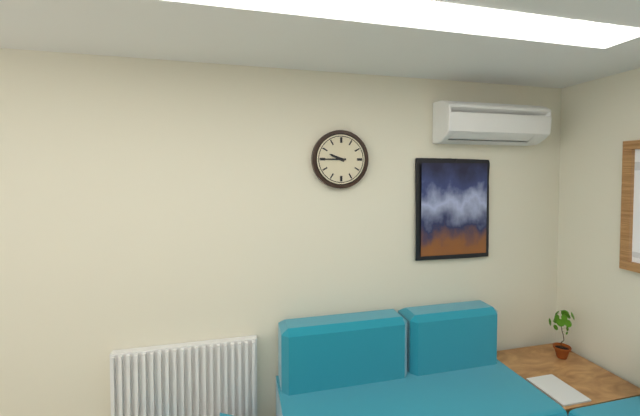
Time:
h=9 m=45
